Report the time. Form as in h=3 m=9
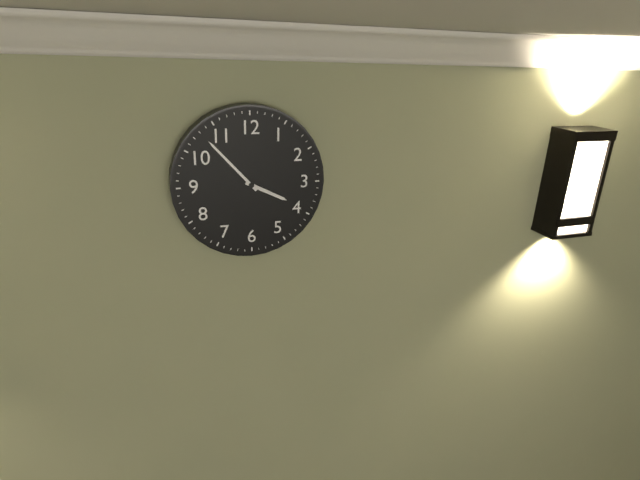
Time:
h=3 m=53
